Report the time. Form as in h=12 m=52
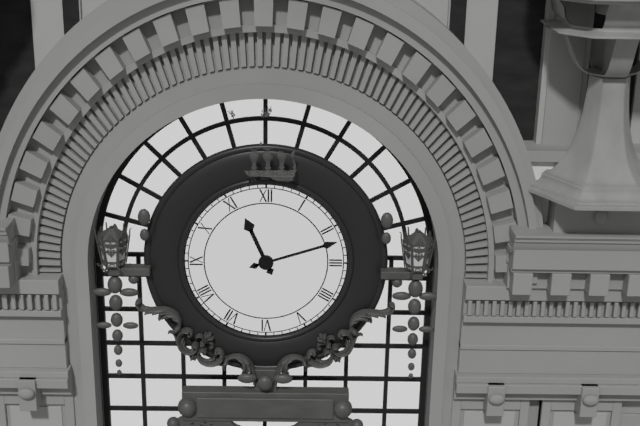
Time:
h=11 m=12
